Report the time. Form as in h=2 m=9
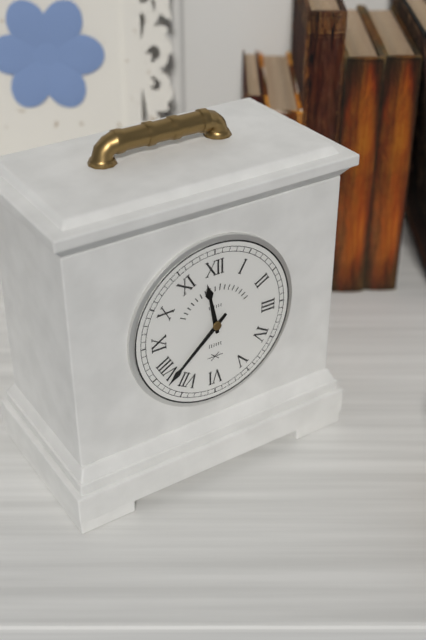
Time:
h=11 m=38
